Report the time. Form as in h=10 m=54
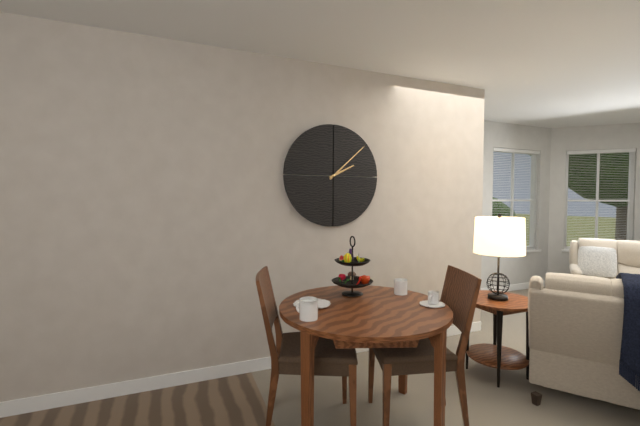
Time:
h=2 m=8
